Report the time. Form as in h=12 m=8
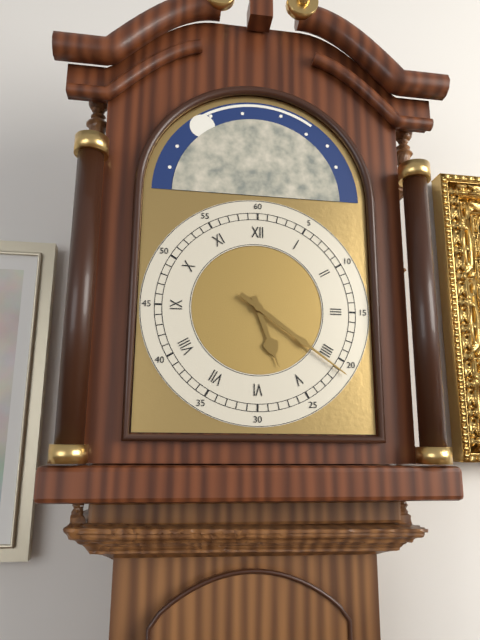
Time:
h=5 m=21
